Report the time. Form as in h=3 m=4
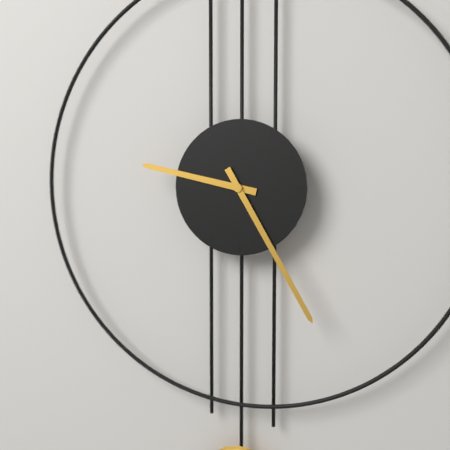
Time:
h=9 m=25
